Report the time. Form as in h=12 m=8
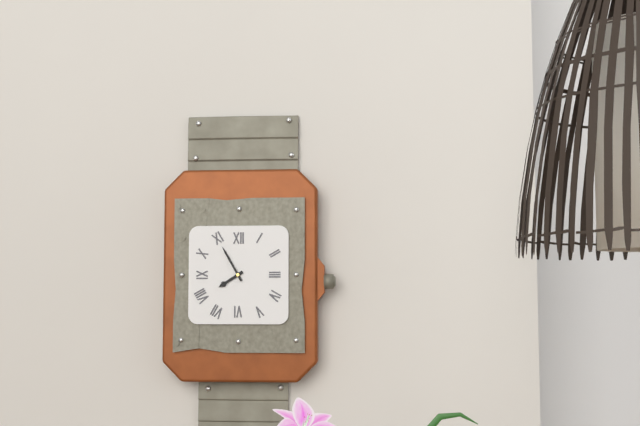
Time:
h=7 m=55
